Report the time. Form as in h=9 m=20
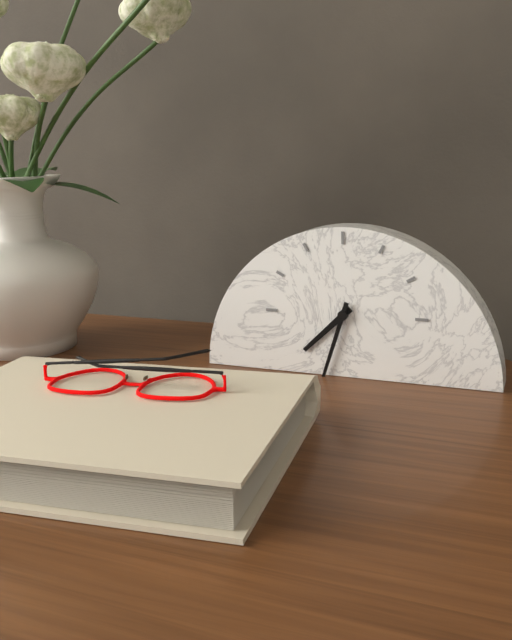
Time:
h=7 m=33
